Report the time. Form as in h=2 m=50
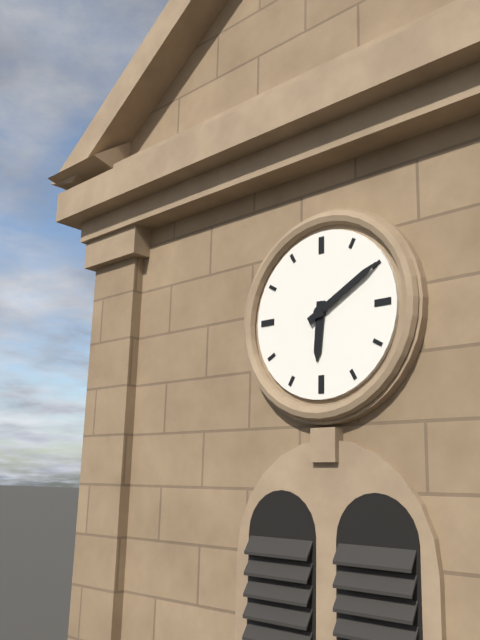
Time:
h=6 m=10
